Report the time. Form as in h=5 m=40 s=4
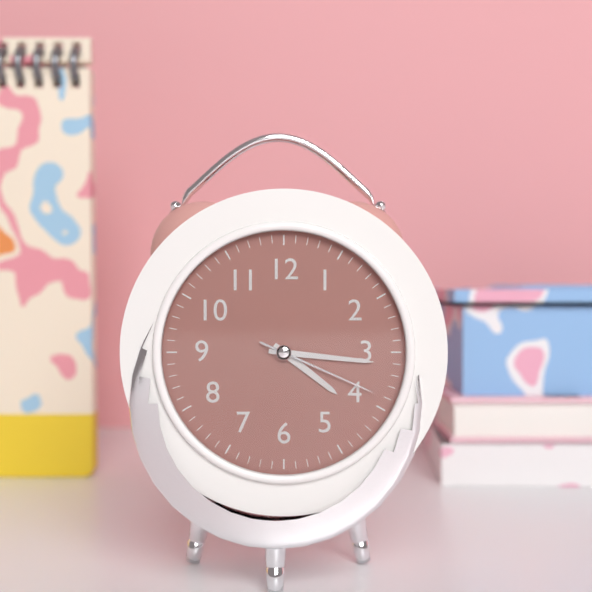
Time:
h=4 m=16 s=19
